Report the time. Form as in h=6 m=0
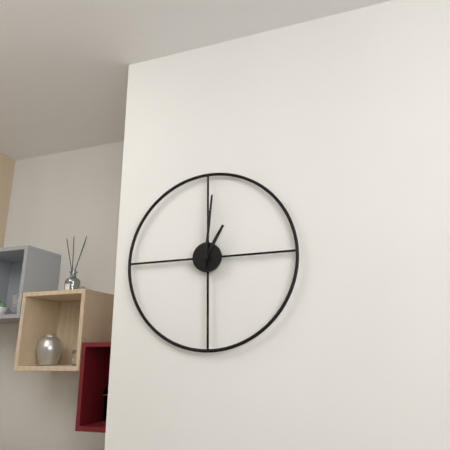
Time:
h=1 m=1
